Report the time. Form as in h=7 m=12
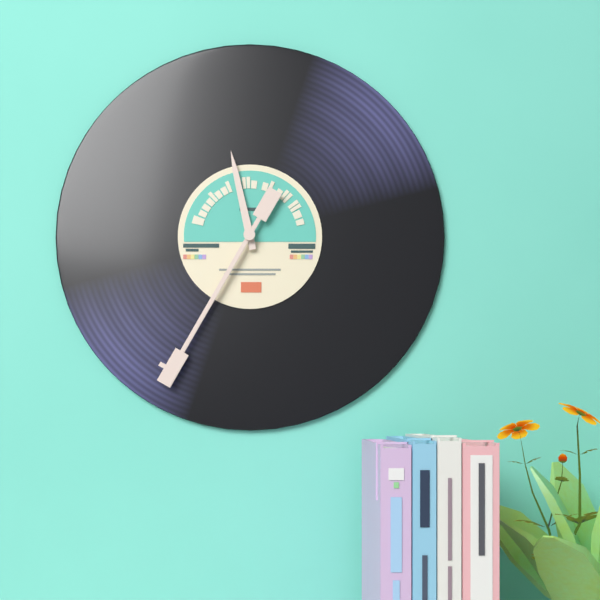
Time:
h=11 m=35
